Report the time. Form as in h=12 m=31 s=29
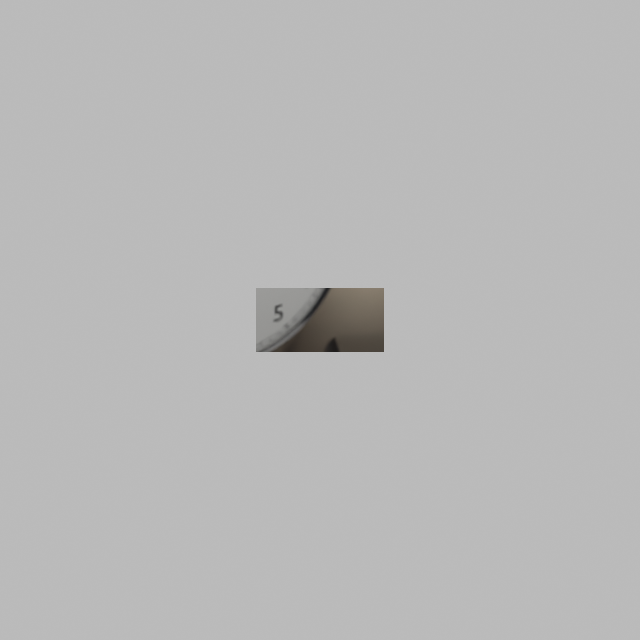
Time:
h=8 m=15 s=13
